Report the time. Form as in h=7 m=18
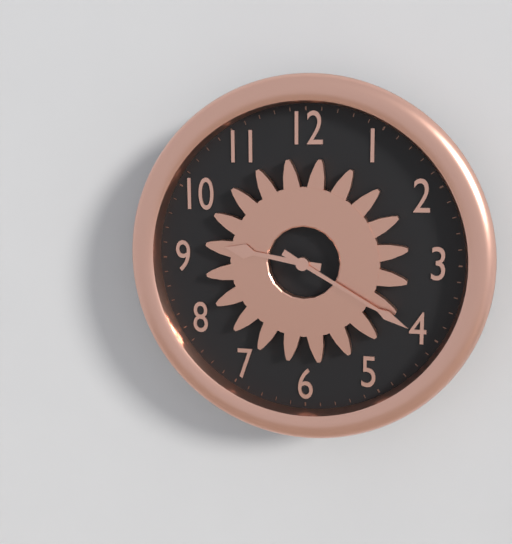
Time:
h=9 m=20
